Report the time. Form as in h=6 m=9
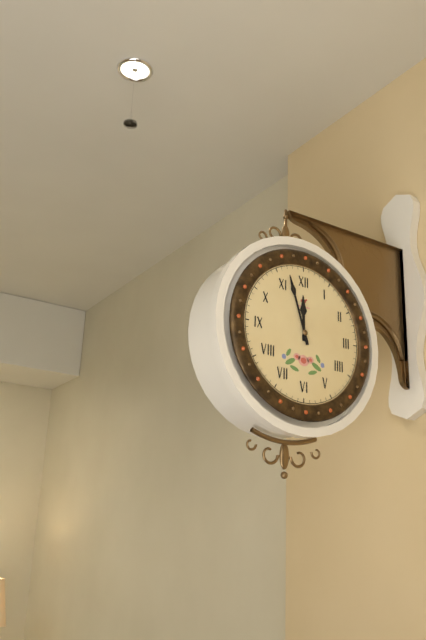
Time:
h=11 m=57
